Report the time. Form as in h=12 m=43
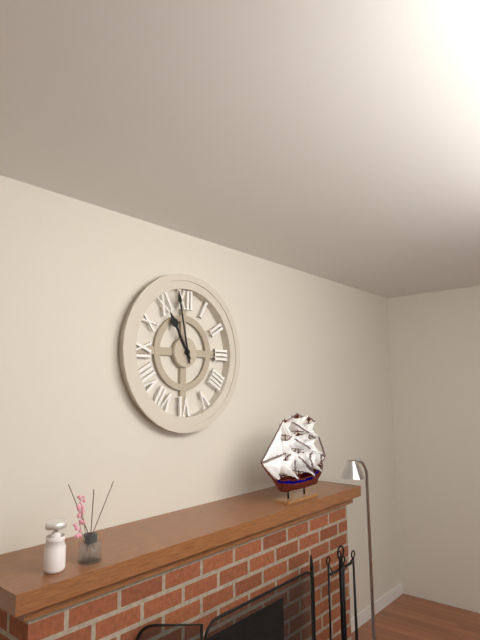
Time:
h=10 m=58
